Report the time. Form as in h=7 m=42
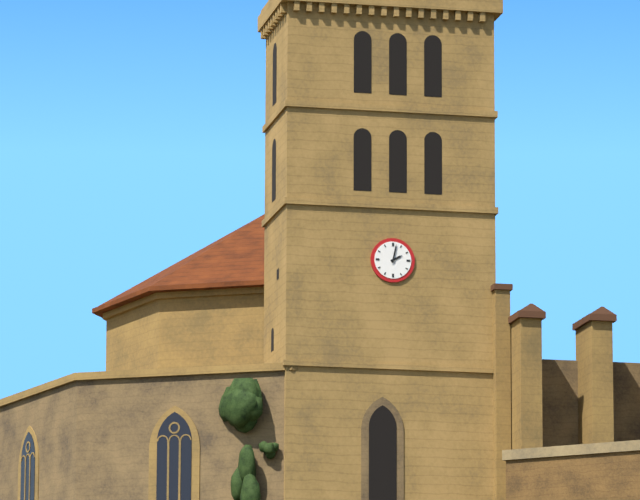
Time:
h=2 m=2
